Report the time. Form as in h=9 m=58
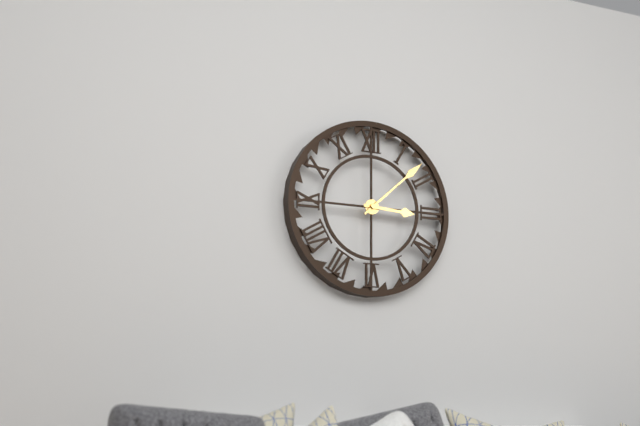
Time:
h=3 m=8
